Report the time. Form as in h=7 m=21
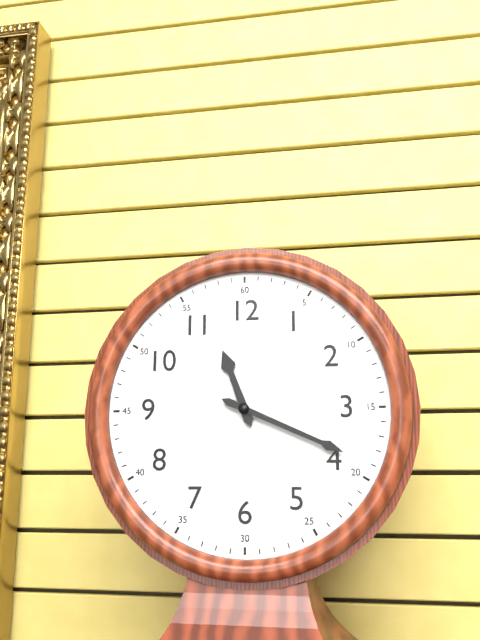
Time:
h=11 m=19
